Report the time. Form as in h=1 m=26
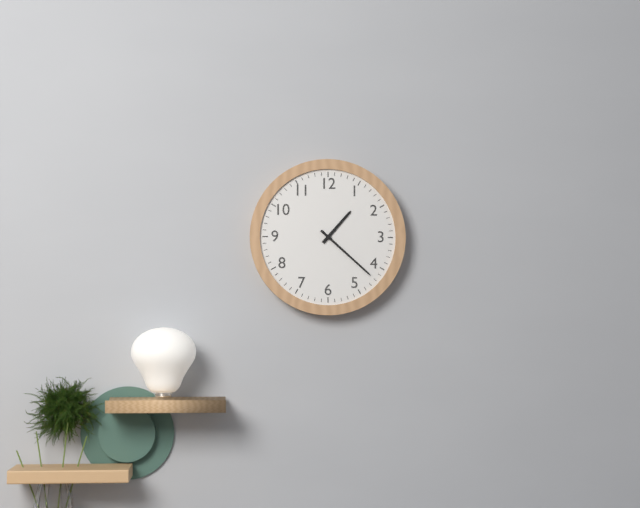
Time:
h=1 m=22
